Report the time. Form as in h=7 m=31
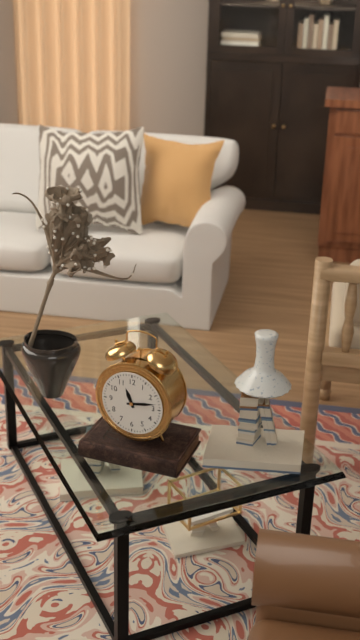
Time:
h=11 m=13
